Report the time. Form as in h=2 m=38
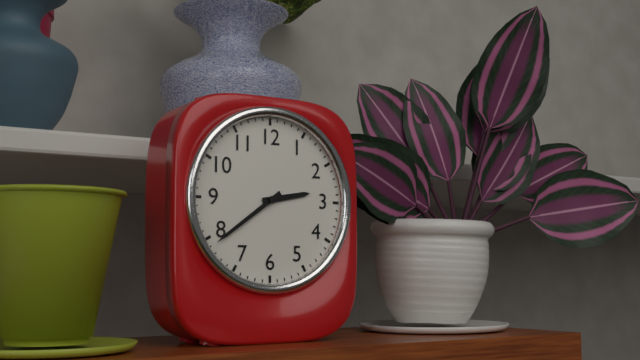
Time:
h=2 m=39
